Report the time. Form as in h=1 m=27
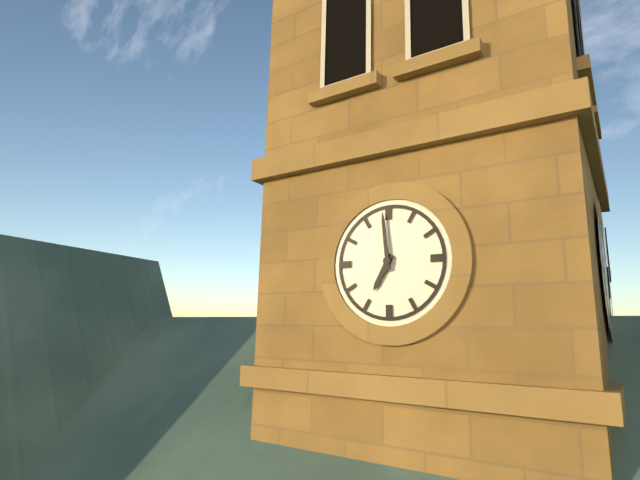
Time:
h=6 m=59
